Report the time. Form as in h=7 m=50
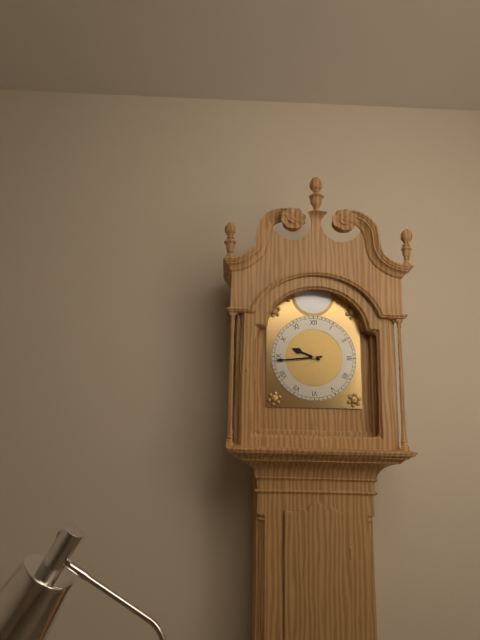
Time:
h=9 m=44
